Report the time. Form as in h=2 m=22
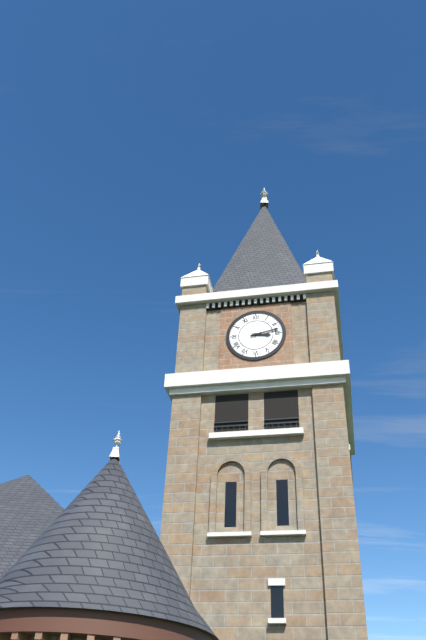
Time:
h=3 m=13
